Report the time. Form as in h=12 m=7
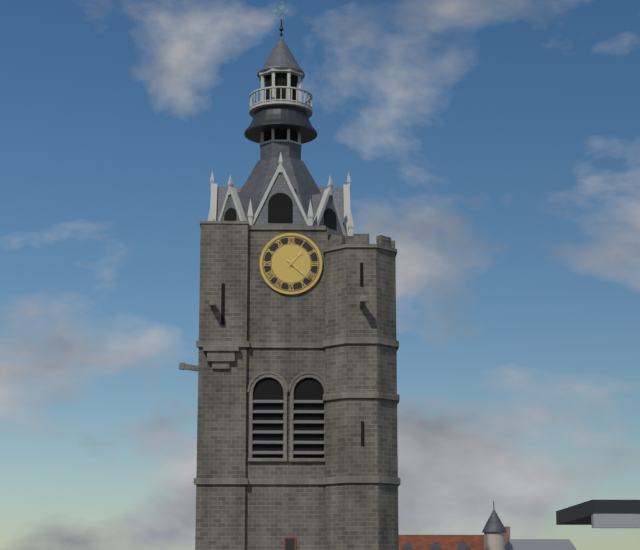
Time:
h=1 m=22
